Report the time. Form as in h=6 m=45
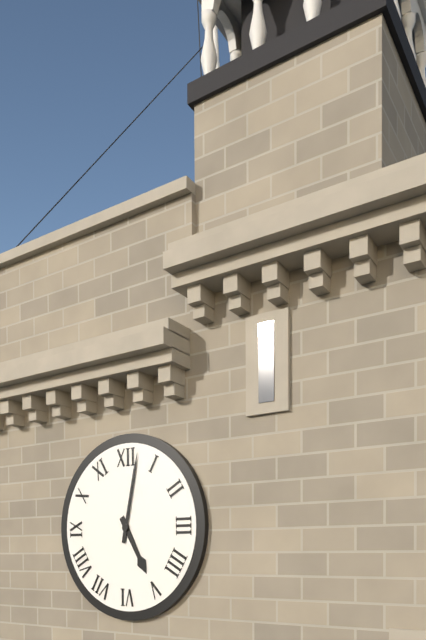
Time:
h=5 m=2
